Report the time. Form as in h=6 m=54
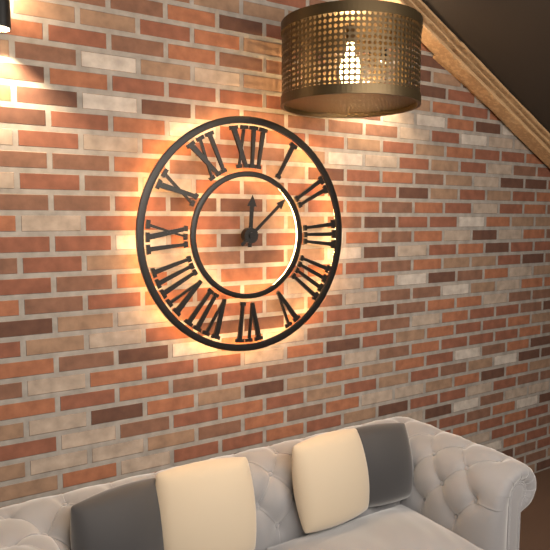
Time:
h=12 m=8
